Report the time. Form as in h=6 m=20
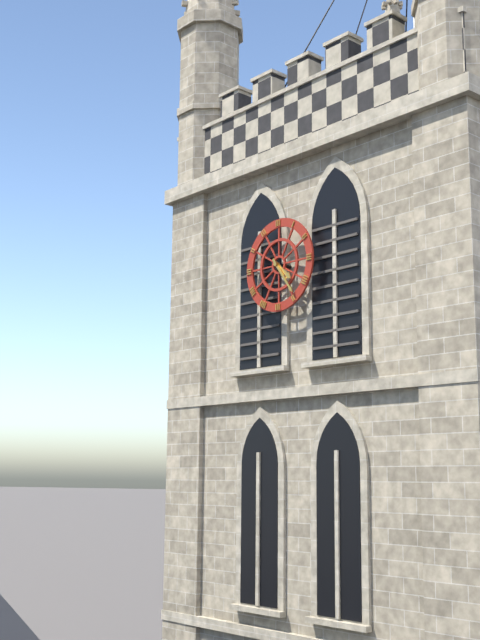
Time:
h=4 m=24
